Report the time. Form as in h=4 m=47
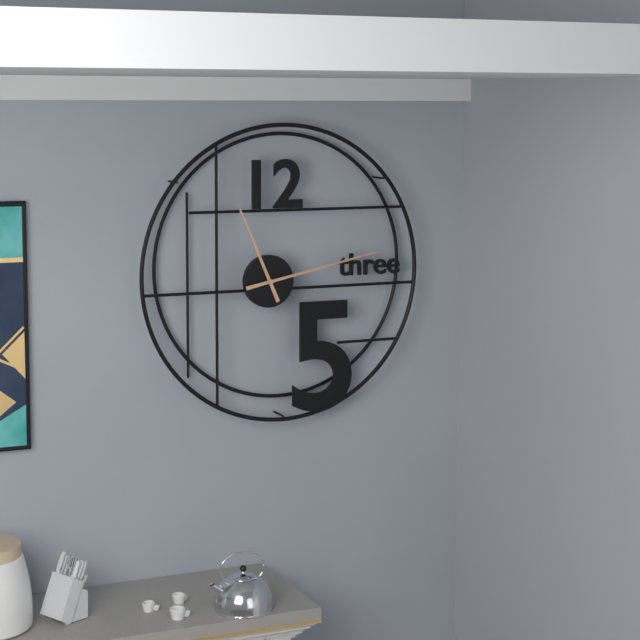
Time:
h=11 m=13
